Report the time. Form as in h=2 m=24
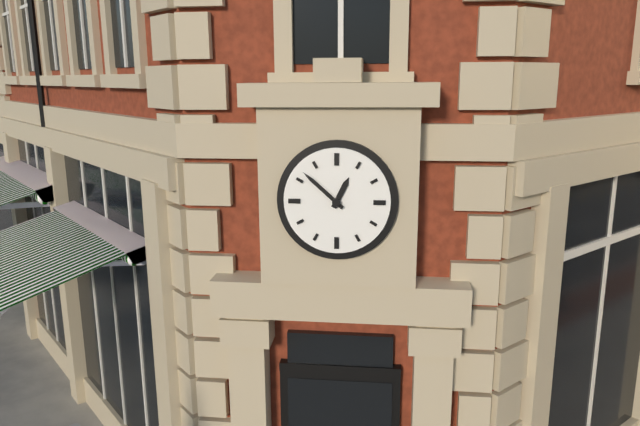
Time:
h=12 m=52
